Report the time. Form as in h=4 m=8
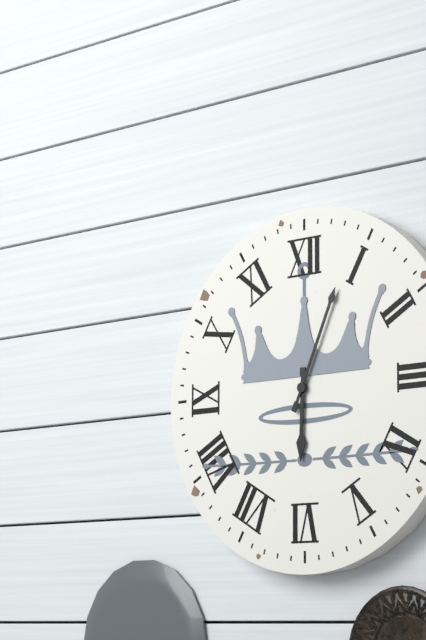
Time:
h=6 m=4
